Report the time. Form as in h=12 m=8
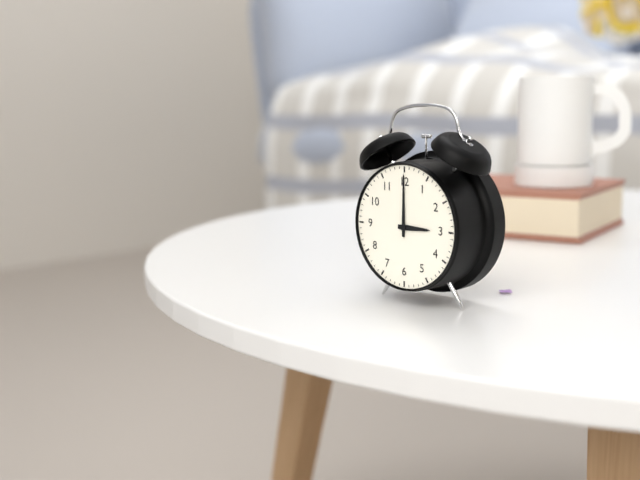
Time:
h=3 m=0
